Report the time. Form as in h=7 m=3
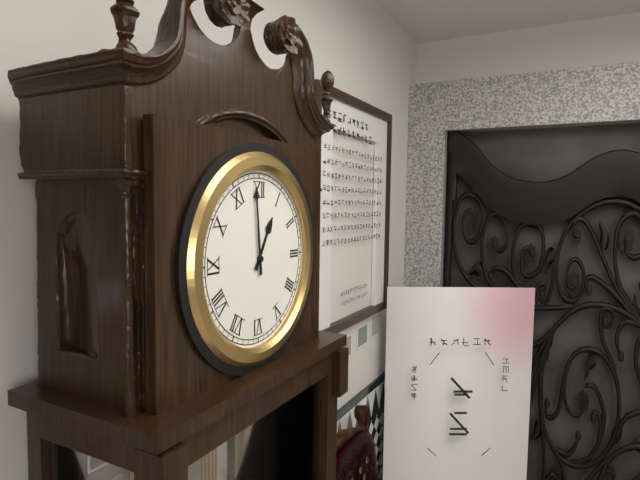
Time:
h=12 m=59
